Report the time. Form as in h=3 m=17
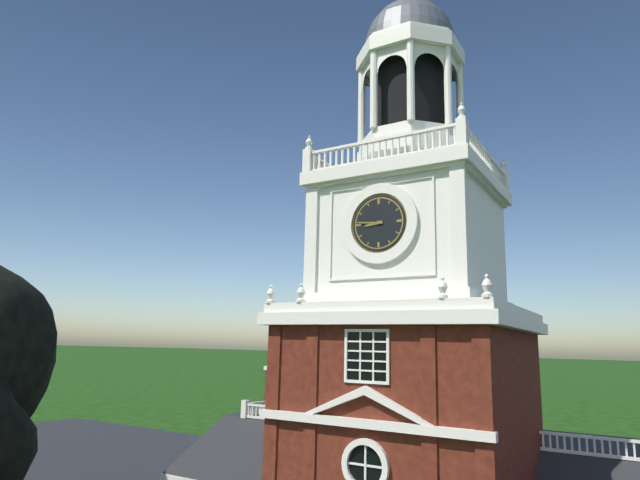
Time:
h=8 m=46
